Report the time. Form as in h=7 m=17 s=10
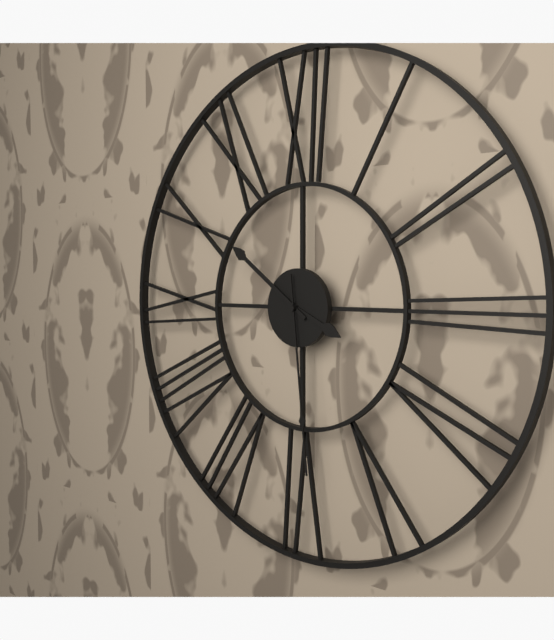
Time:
h=3 m=51 s=29
